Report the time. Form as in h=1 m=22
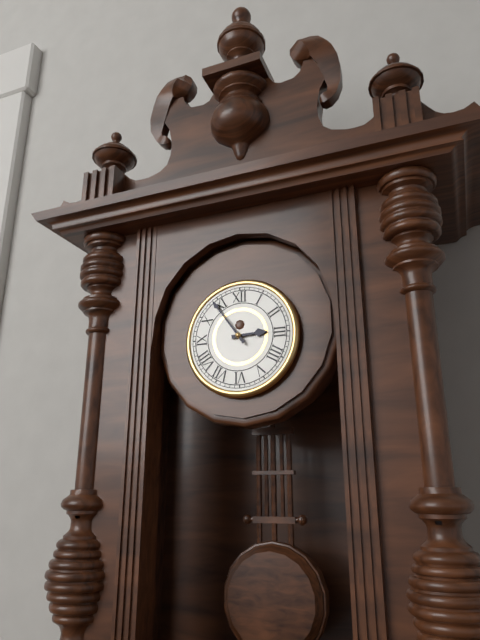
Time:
h=2 m=54
